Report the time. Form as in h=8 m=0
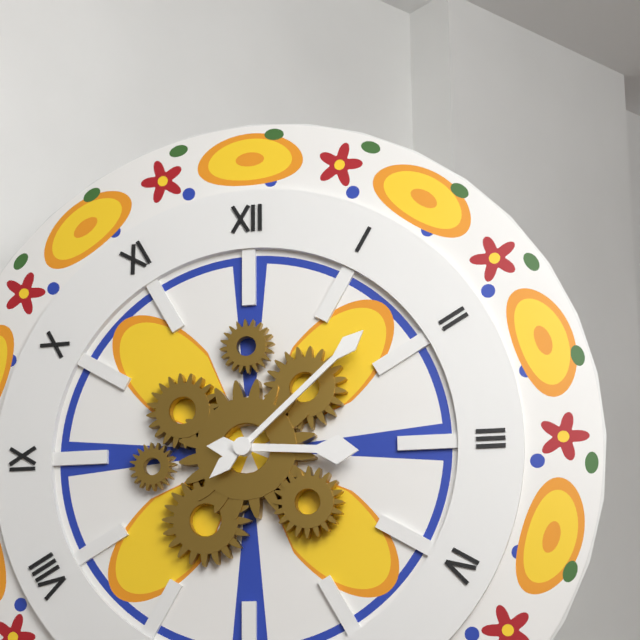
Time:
h=3 m=8
